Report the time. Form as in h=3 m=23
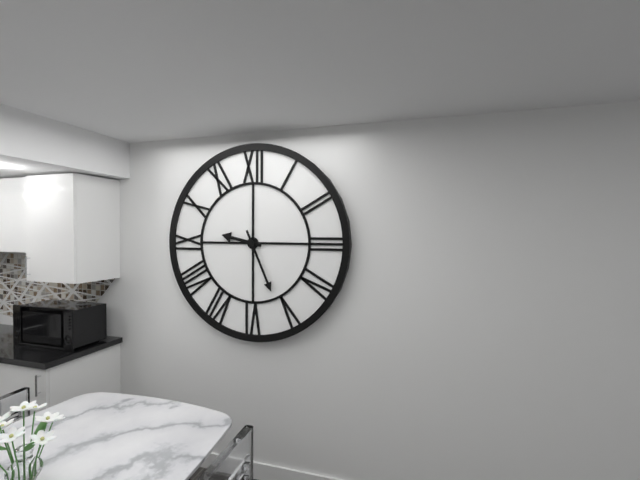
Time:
h=9 m=26
